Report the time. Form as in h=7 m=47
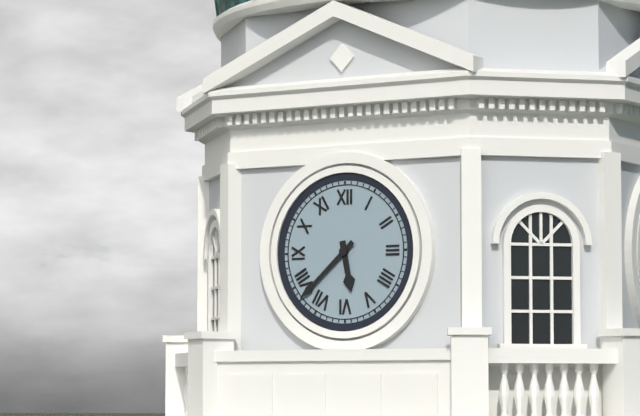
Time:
h=5 m=38
